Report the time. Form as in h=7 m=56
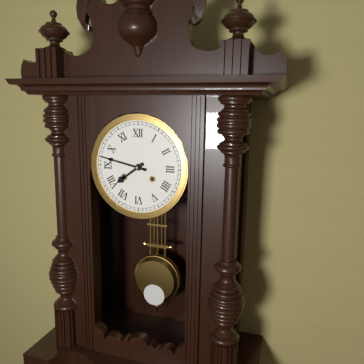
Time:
h=7 m=47
